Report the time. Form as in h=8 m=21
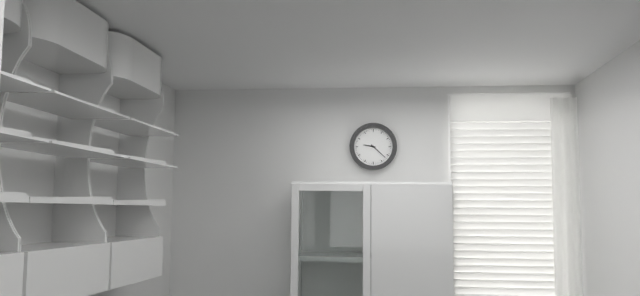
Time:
h=9 m=22
